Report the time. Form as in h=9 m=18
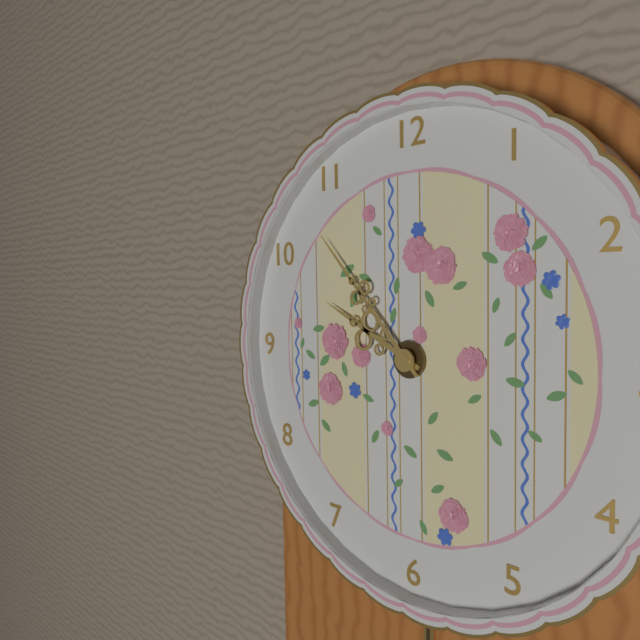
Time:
h=9 m=53
